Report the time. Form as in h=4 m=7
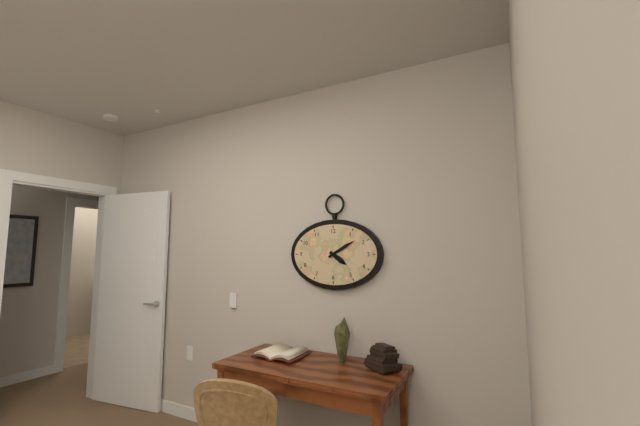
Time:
h=4 m=10
